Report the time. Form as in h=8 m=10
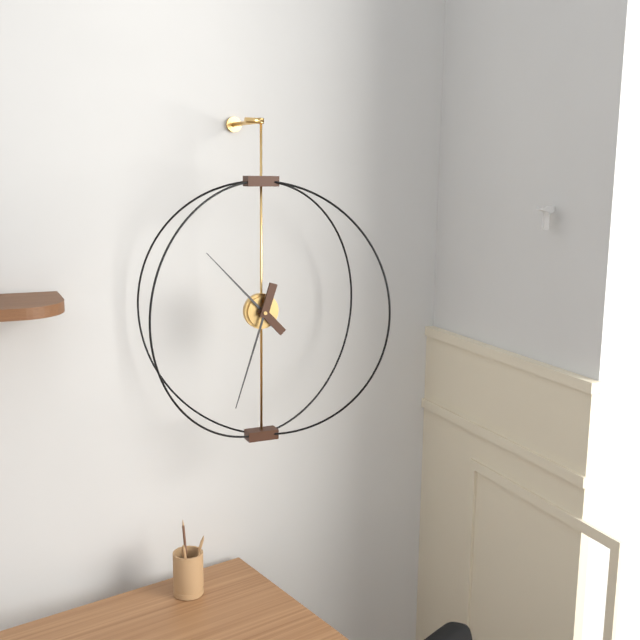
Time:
h=10 m=33
